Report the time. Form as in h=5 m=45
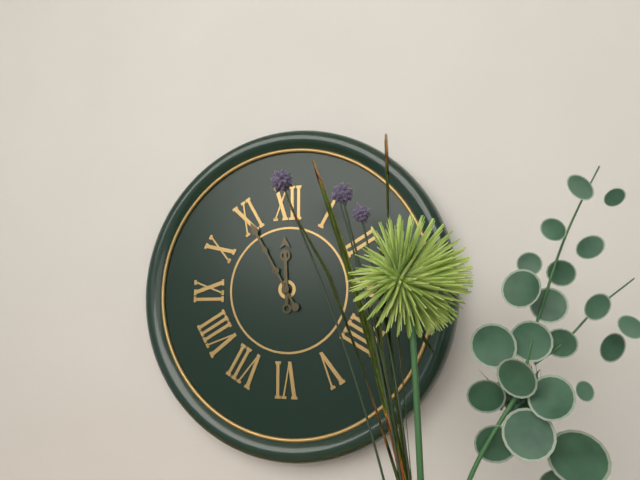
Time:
h=11 m=55
